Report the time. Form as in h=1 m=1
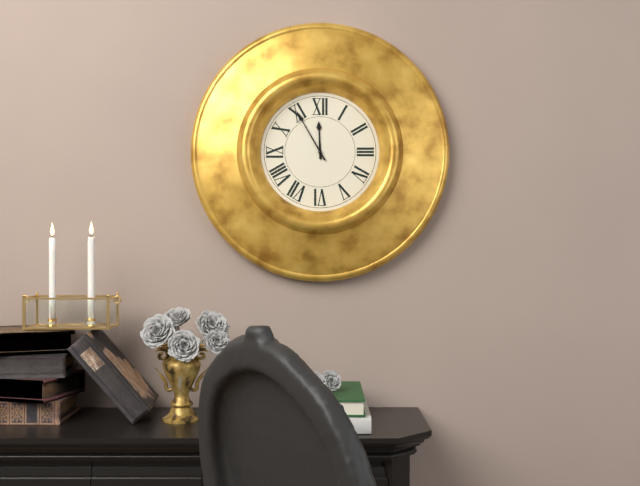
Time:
h=11 m=55
